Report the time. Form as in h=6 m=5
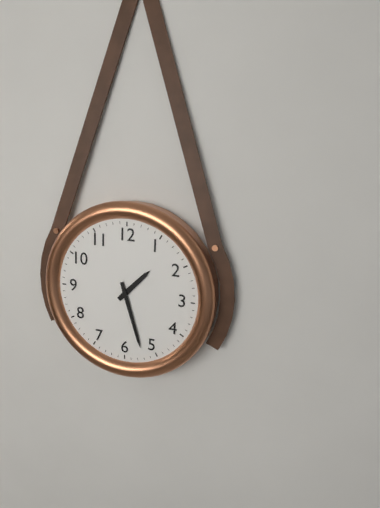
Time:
h=1 m=27
